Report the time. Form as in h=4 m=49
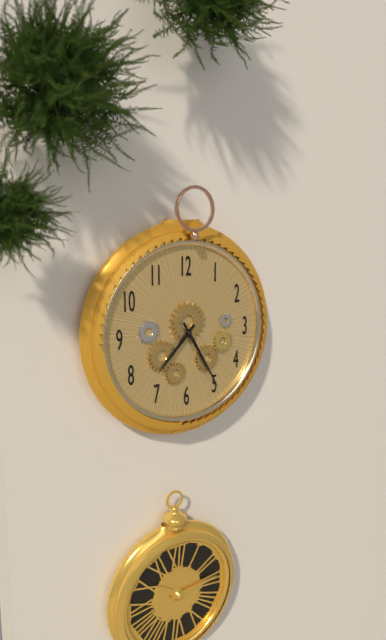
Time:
h=7 m=25
